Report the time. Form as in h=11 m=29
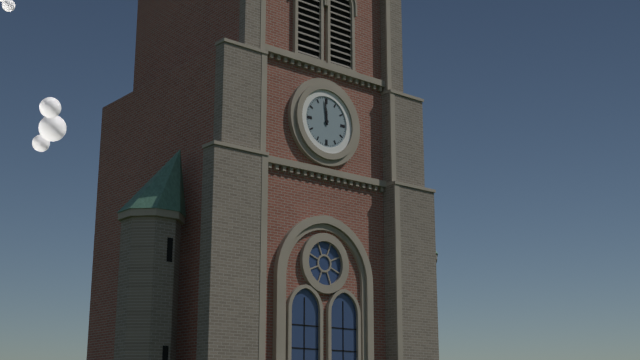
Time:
h=11 m=59
